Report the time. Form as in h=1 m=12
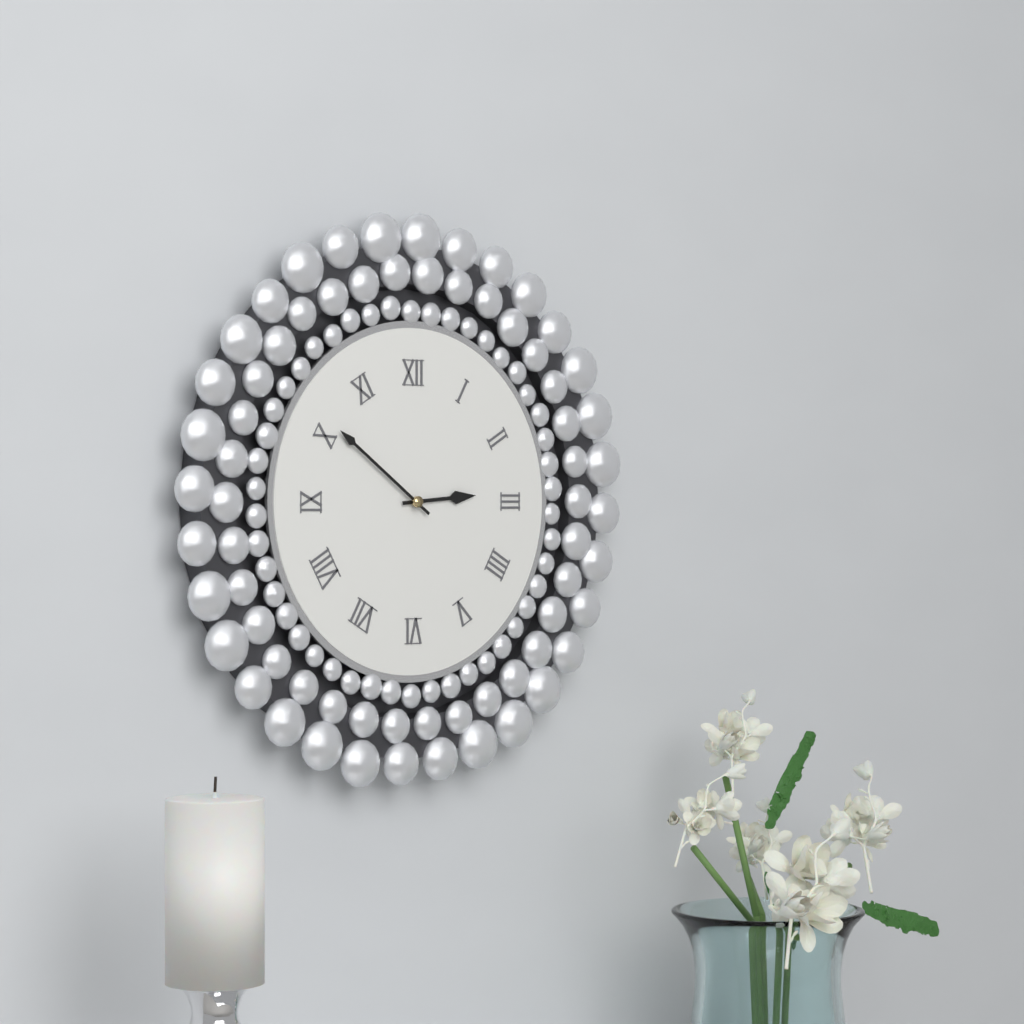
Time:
h=2 m=51
